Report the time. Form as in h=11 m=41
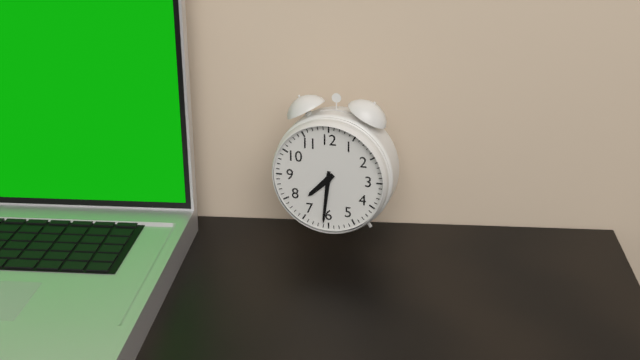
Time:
h=7 m=31
